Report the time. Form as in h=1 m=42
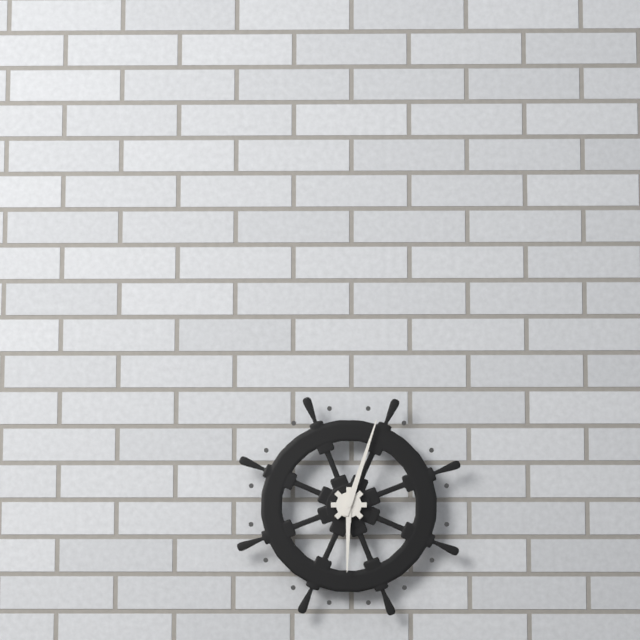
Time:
h=6 m=3
